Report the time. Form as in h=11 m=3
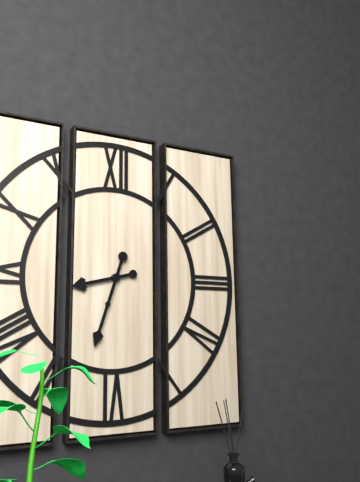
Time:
h=8 m=33
